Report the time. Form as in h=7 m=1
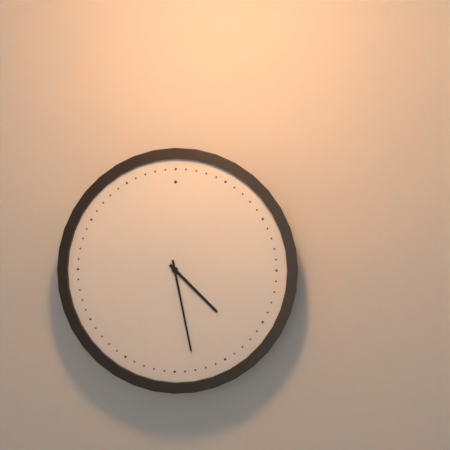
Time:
h=4 m=28
